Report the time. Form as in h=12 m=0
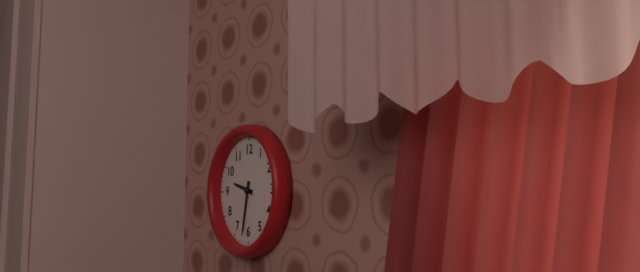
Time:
h=9 m=32
